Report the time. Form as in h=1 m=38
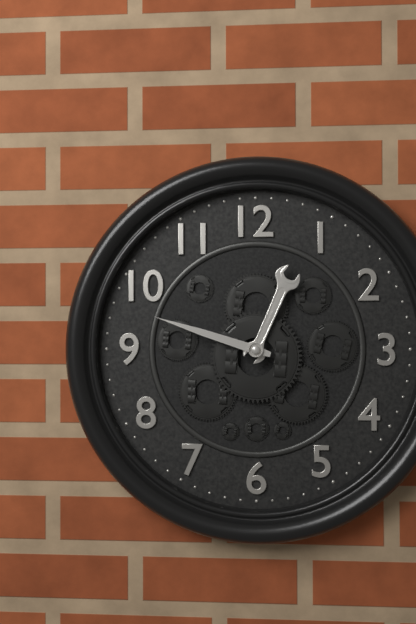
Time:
h=12 m=48
